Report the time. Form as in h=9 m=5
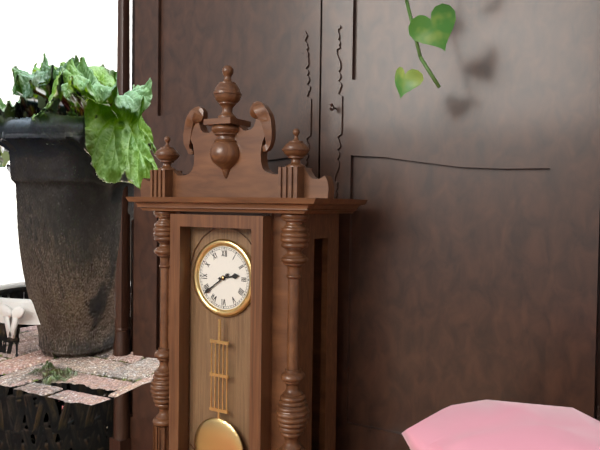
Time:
h=2 m=39
